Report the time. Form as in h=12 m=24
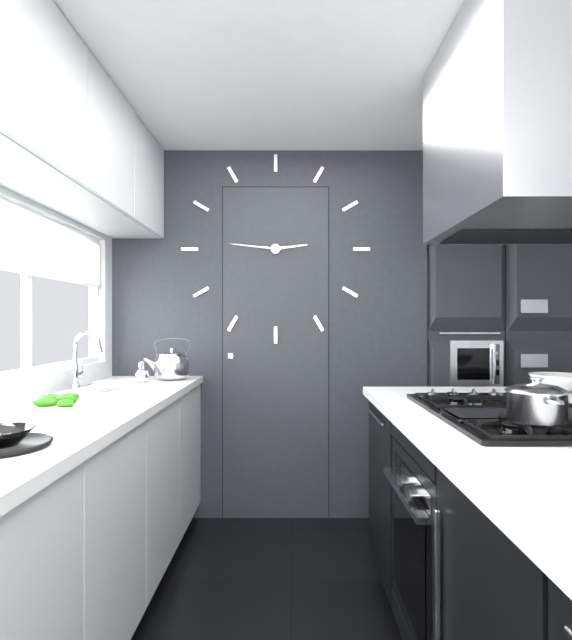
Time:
h=2 m=46
